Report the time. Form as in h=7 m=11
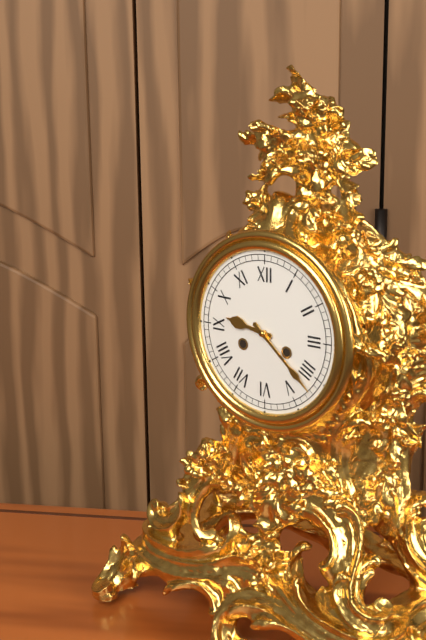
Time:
h=9 m=22
